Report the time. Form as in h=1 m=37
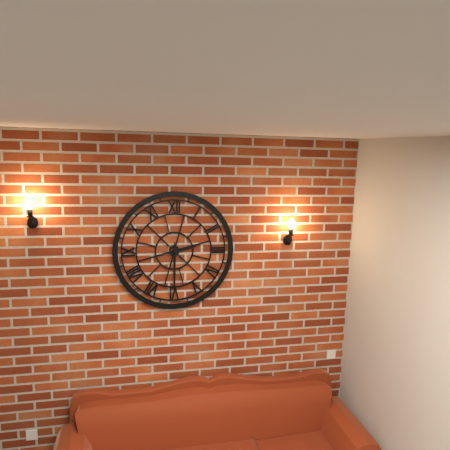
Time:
h=2 m=30
